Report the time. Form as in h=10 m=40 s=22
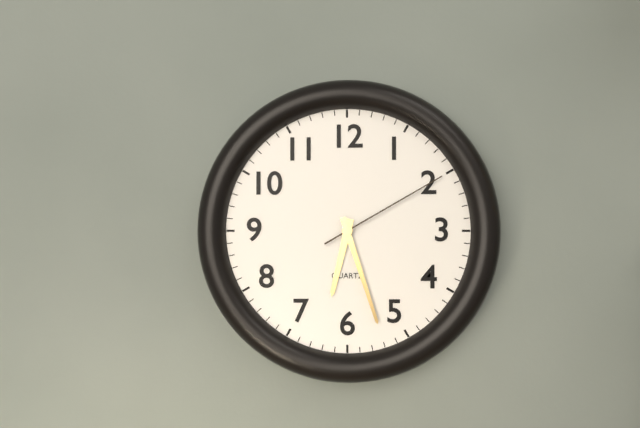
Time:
h=6 m=27 s=10
